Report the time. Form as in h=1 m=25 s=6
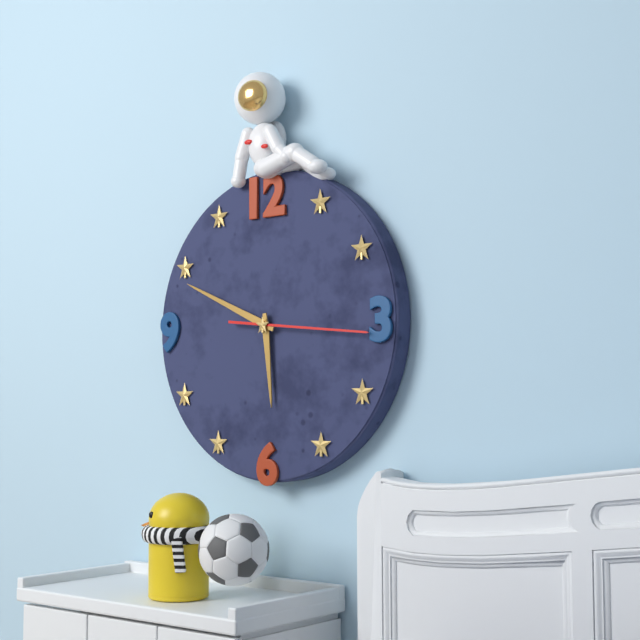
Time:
h=5 m=49 s=16
